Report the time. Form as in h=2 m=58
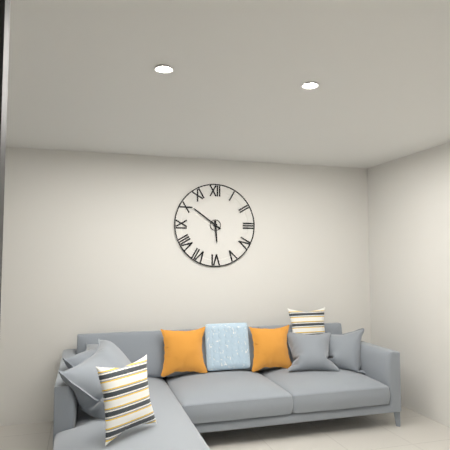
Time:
h=5 m=51
